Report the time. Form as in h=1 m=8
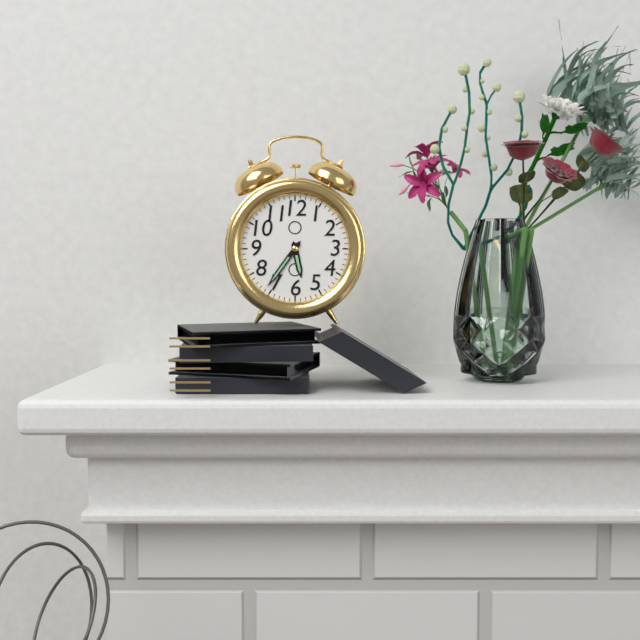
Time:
h=5 m=36
